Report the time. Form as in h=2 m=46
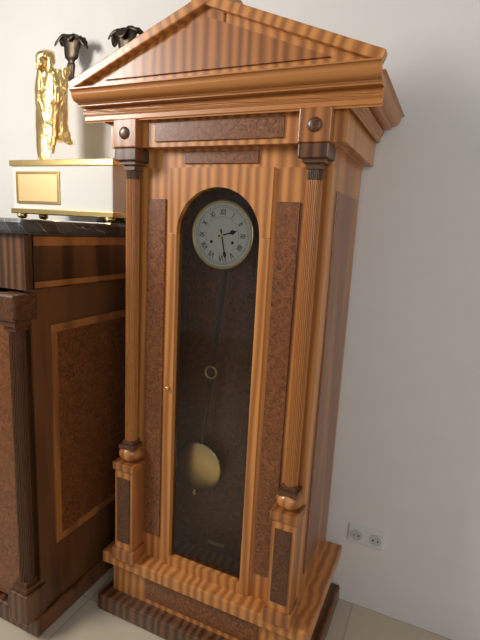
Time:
h=2 m=28
